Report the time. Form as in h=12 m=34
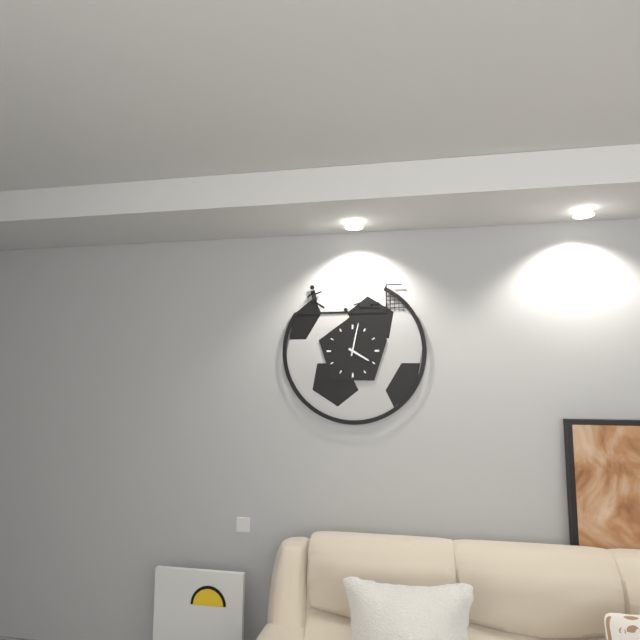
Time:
h=4 m=2
